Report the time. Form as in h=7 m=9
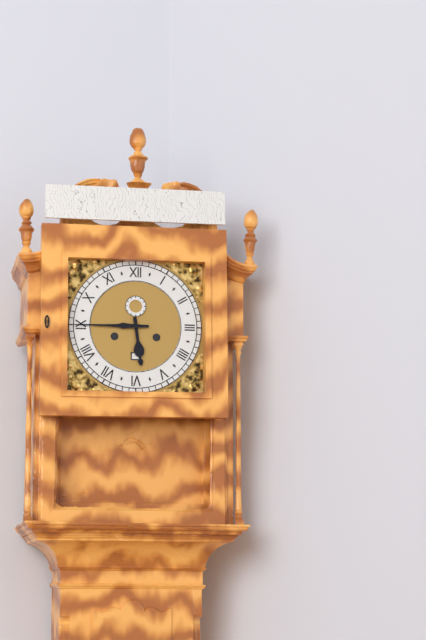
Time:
h=5 m=45
